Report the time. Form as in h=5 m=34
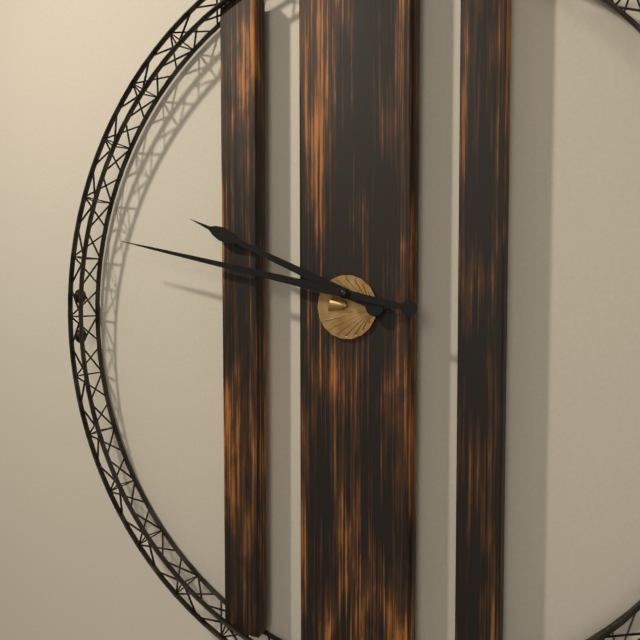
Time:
h=9 m=47
